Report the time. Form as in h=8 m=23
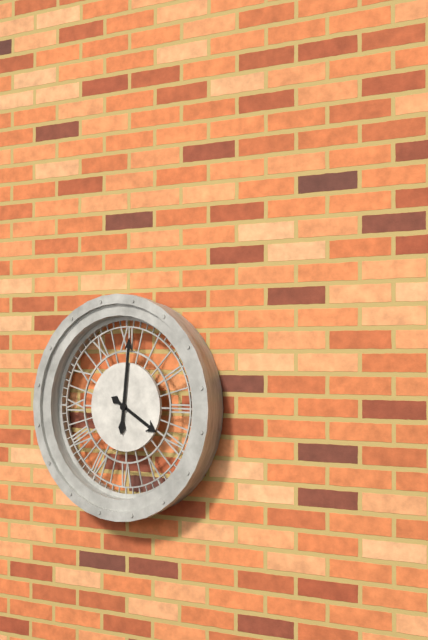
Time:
h=4 m=1
